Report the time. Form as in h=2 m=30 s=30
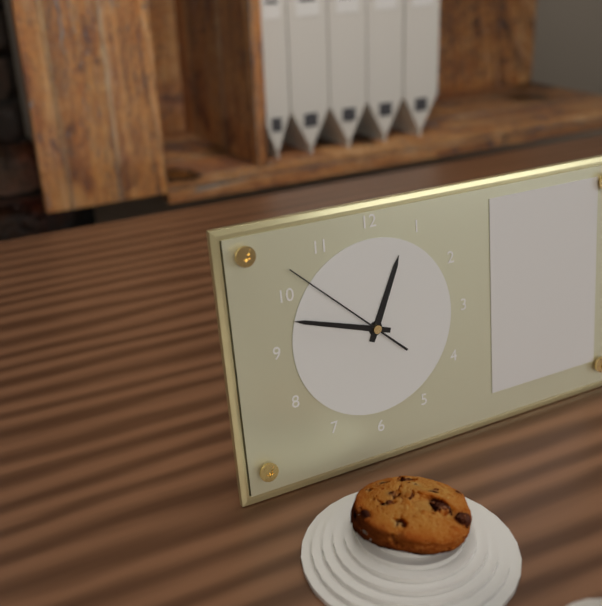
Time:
h=12 m=48 s=52
